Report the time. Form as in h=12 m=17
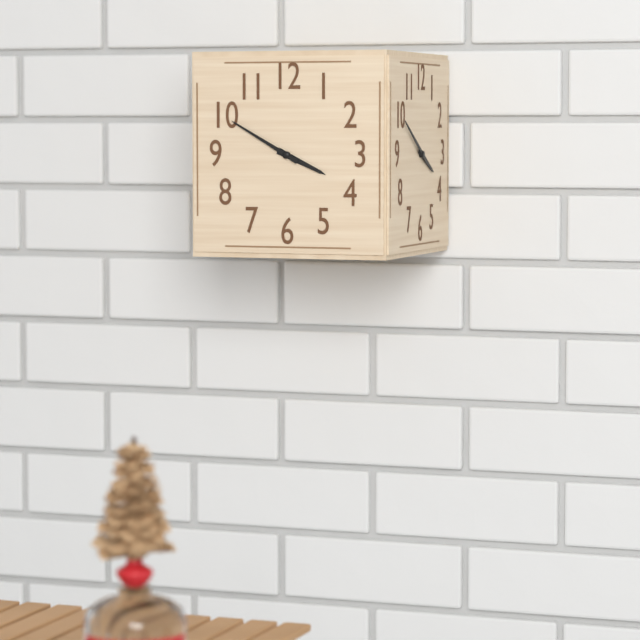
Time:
h=3 m=50
